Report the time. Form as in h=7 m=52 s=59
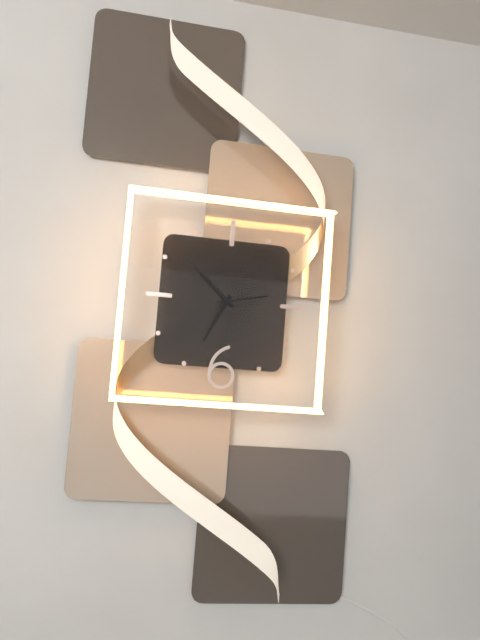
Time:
h=6 m=52 s=13
